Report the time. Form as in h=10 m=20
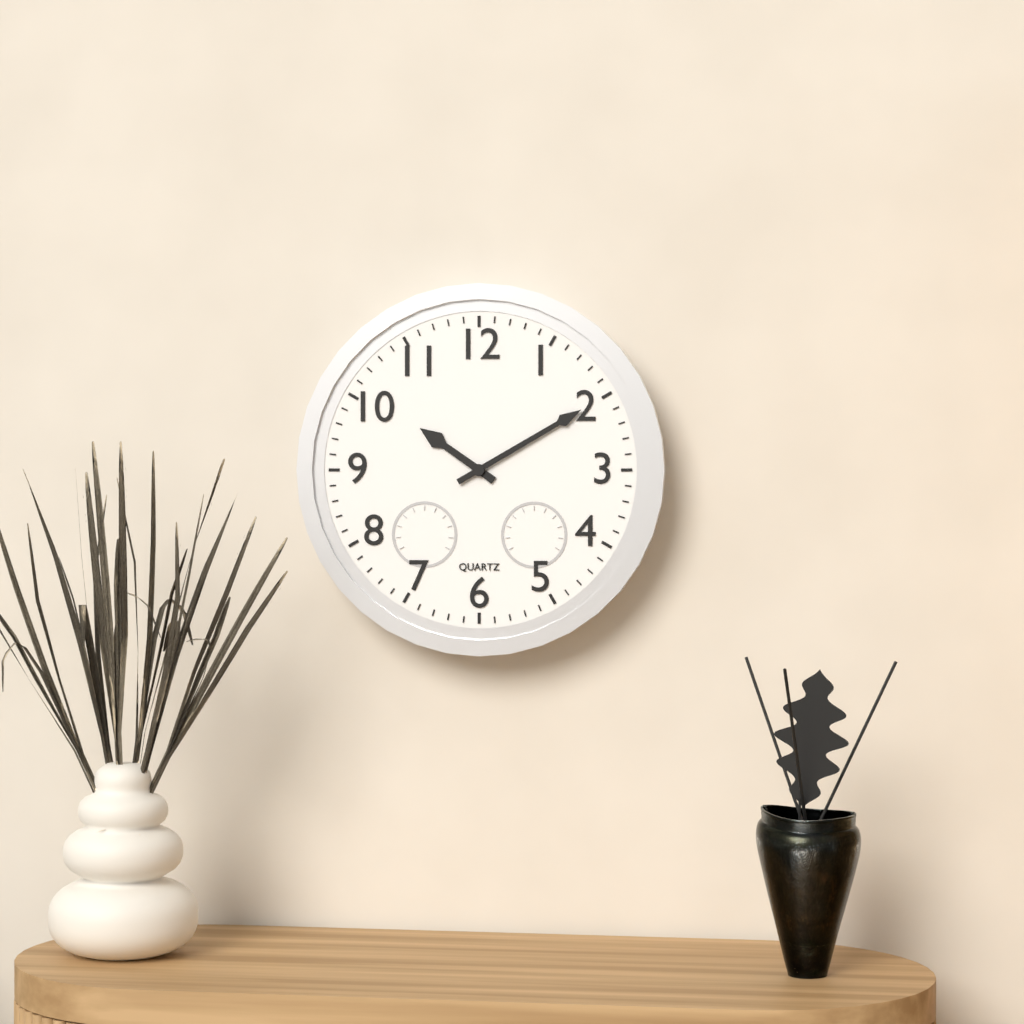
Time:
h=10 m=10
